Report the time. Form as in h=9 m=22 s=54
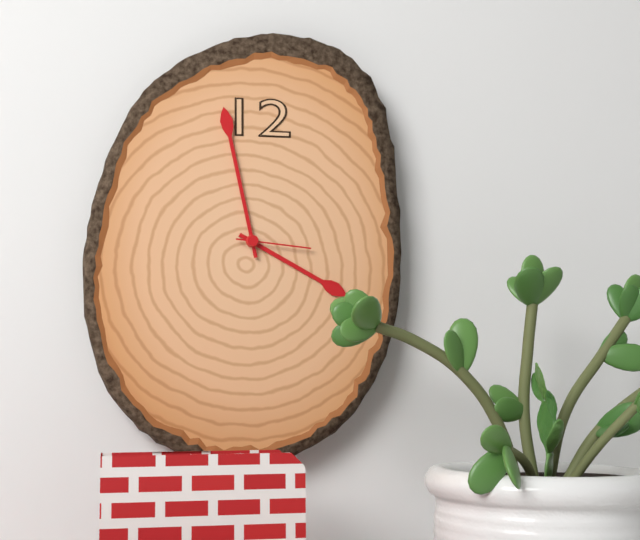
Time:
h=3 m=58 s=16
